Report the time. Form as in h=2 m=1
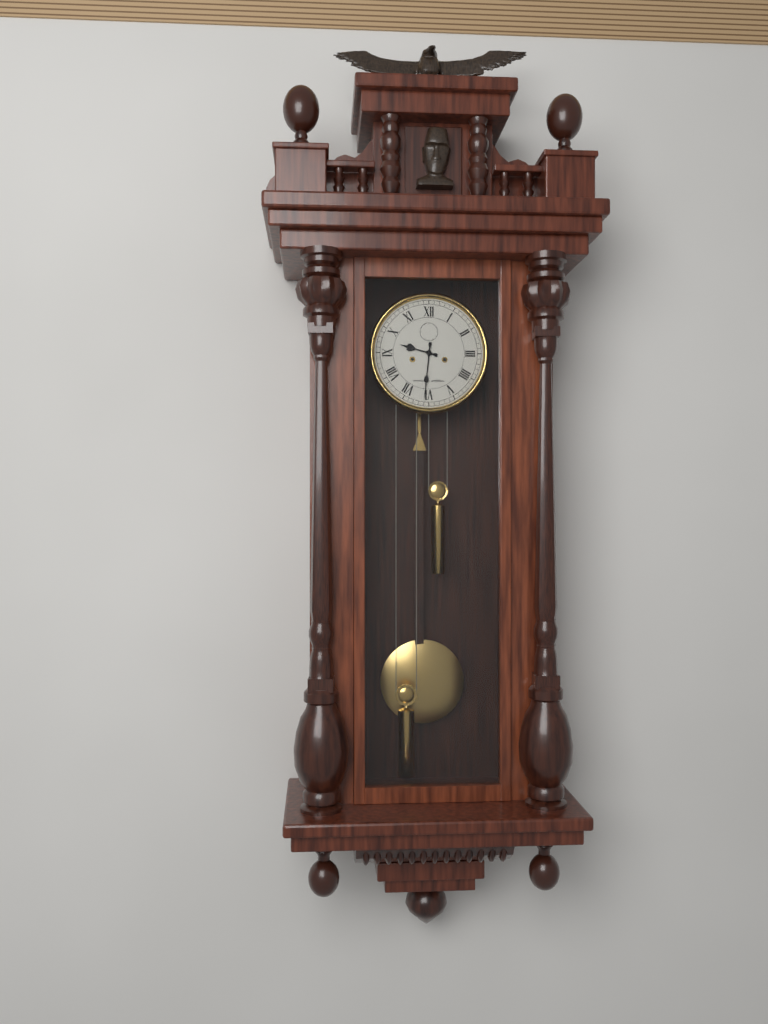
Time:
h=9 m=31
